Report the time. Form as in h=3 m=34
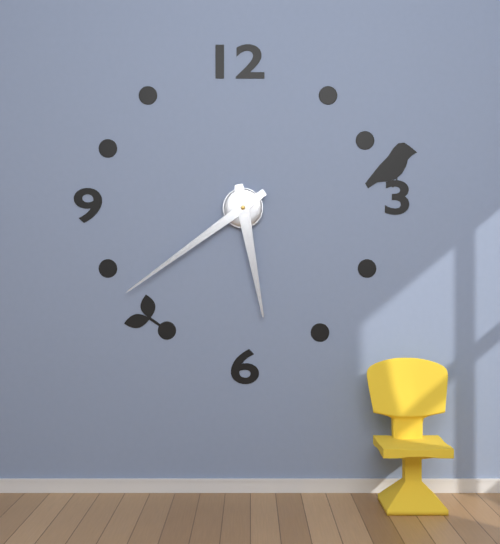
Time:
h=5 m=39
